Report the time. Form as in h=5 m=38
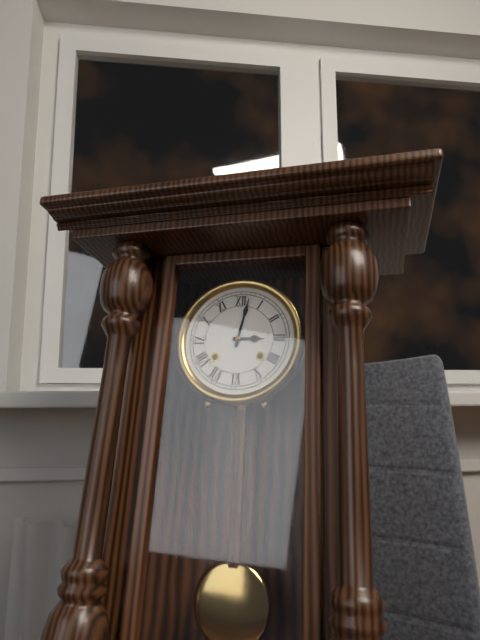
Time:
h=3 m=2
